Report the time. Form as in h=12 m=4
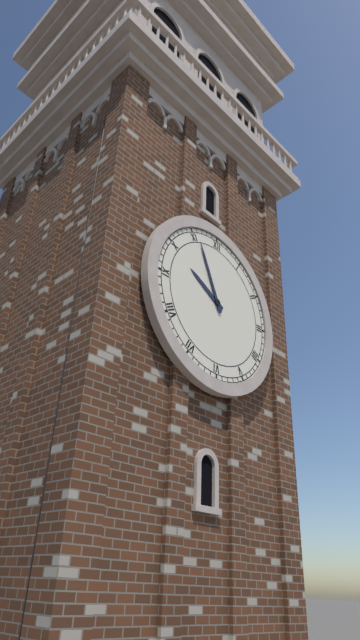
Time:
h=9 m=56
